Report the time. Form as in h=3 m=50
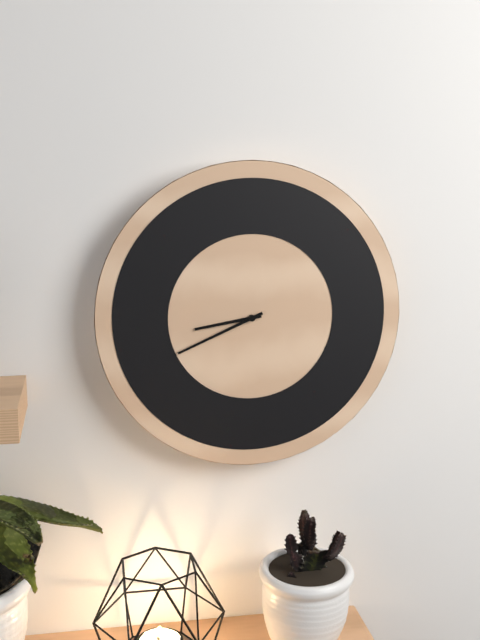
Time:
h=8 m=41
